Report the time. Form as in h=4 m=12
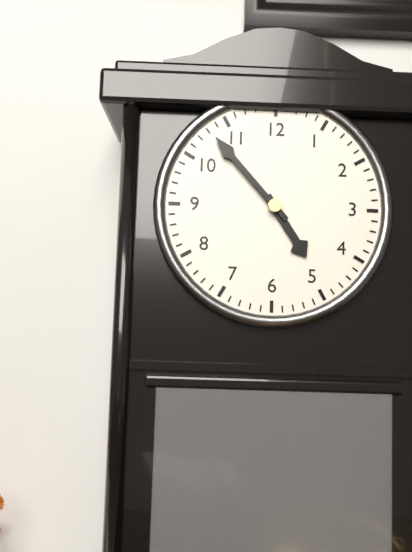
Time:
h=4 m=53
